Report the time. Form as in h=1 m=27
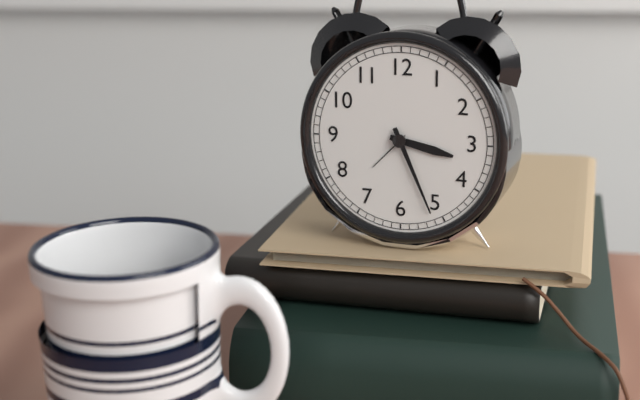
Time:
h=3 m=26
